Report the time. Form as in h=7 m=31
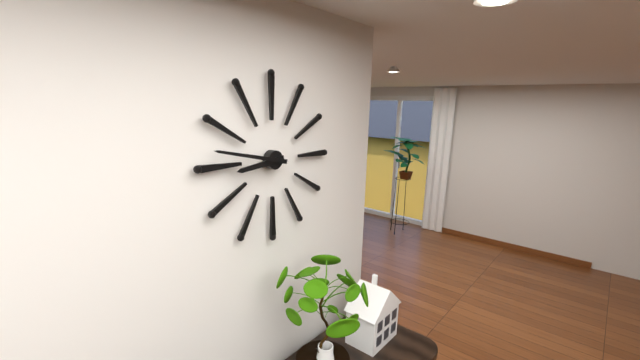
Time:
h=8 m=47
